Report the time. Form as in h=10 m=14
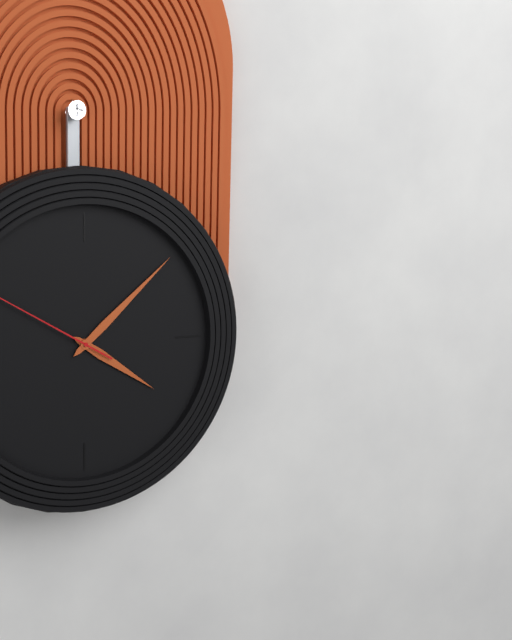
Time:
h=4 m=8
